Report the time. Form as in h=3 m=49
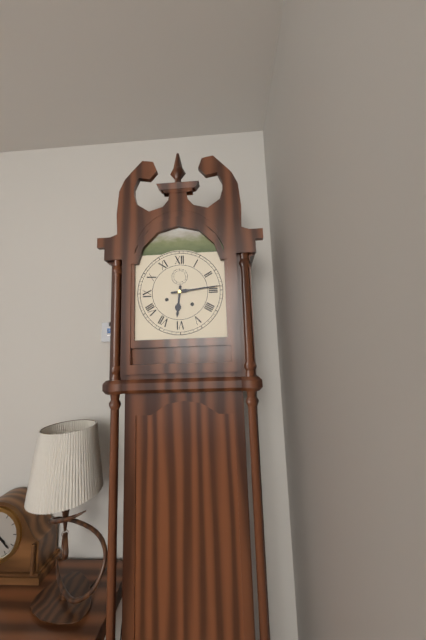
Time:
h=6 m=14
